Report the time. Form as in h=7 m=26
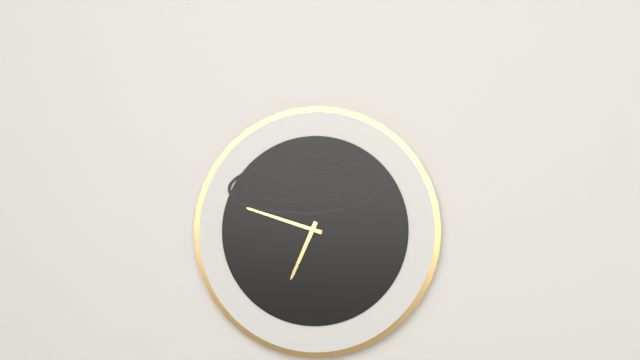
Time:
h=6 m=48
